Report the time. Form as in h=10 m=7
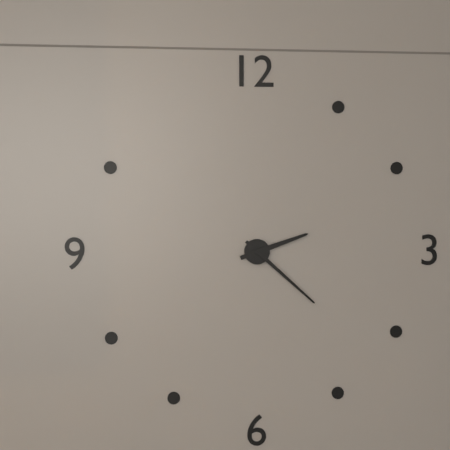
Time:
h=2 m=22
